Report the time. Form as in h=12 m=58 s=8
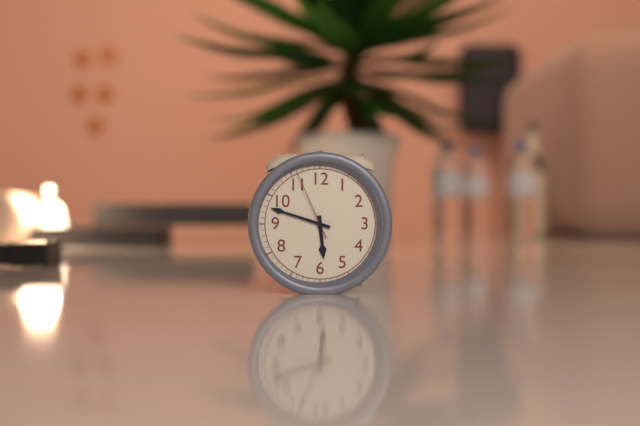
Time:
h=5 m=48 s=56
